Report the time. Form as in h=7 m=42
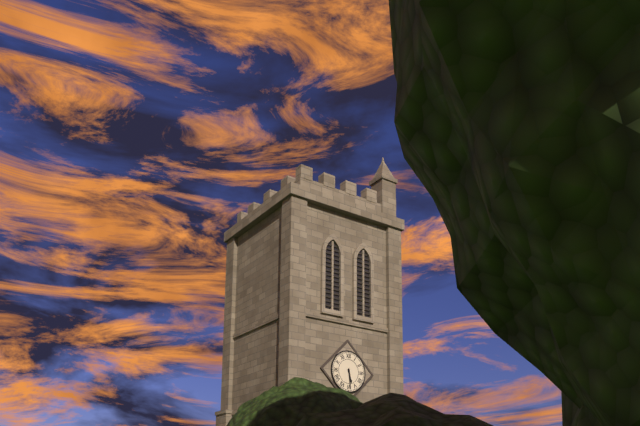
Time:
h=5 m=29
